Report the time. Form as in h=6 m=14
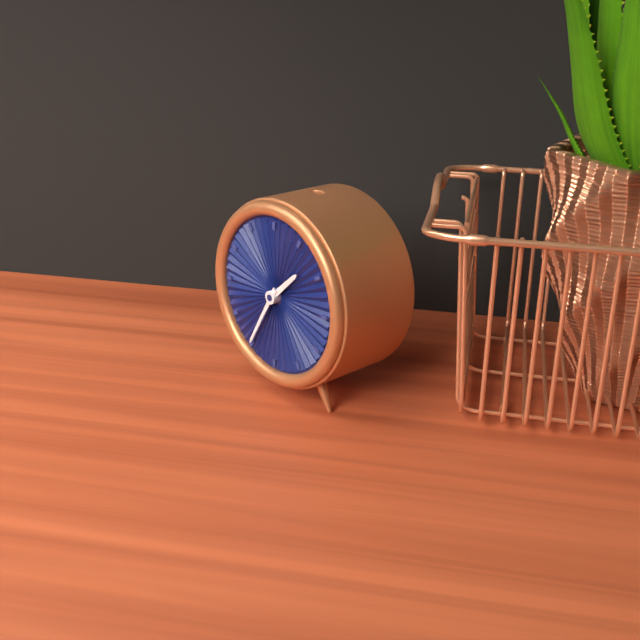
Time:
h=1 m=35
